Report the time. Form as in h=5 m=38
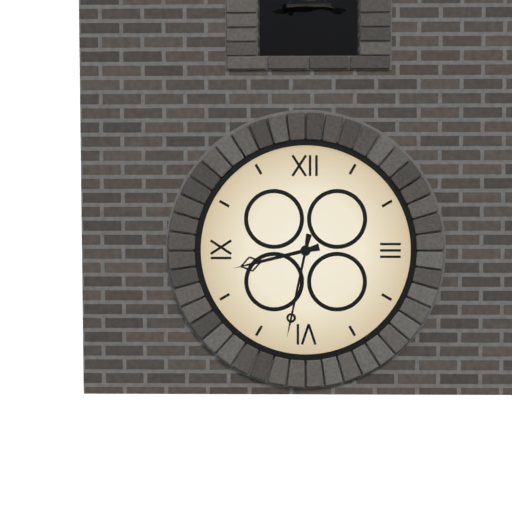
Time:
h=8 m=32
